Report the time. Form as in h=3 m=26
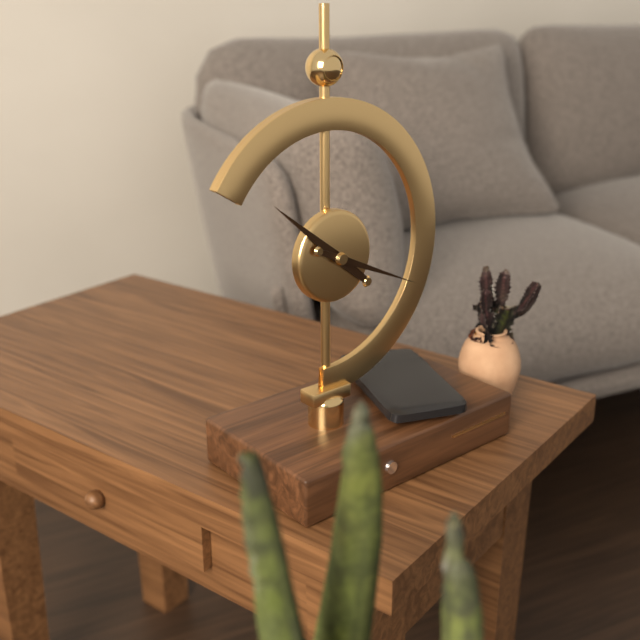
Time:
h=10 m=19
